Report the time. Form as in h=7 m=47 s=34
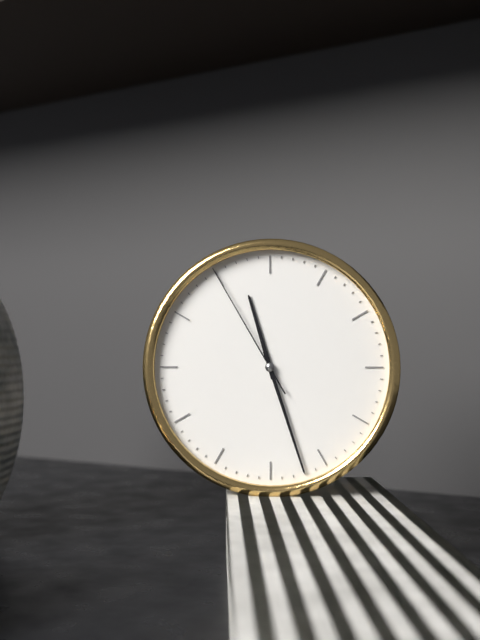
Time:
h=11 m=27 s=55
